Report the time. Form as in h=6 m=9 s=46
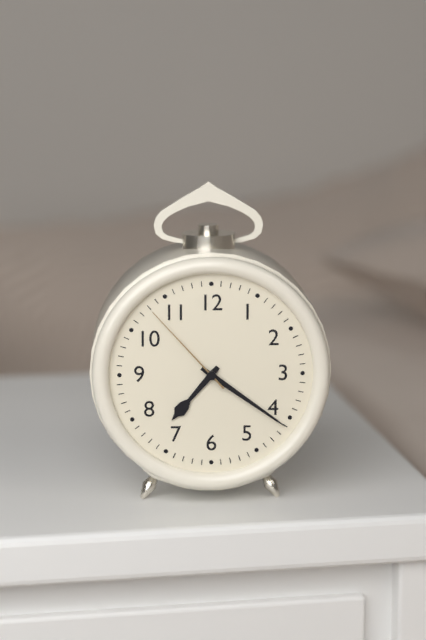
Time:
h=7 m=21 s=53
